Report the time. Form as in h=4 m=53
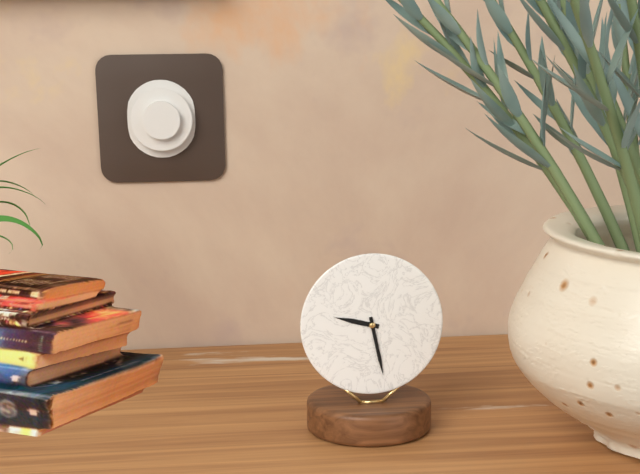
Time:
h=9 m=28
